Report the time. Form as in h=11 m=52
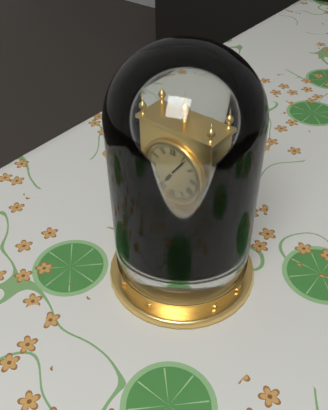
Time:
h=7 m=6
